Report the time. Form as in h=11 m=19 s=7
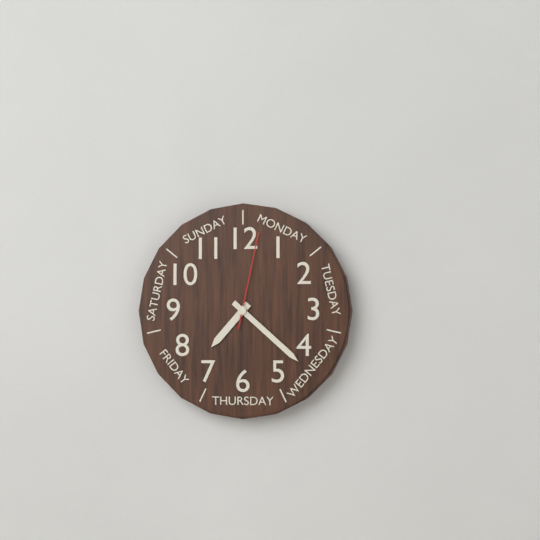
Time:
h=7 m=22 s=2
